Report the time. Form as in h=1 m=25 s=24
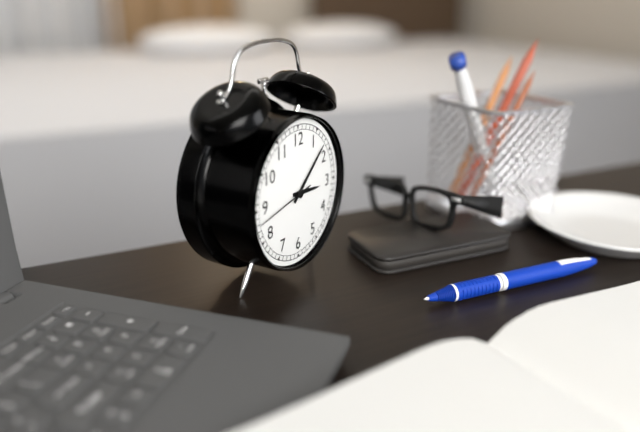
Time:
h=3 m=8 s=43
